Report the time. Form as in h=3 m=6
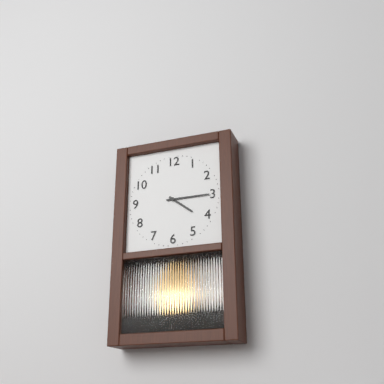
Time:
h=4 m=15
